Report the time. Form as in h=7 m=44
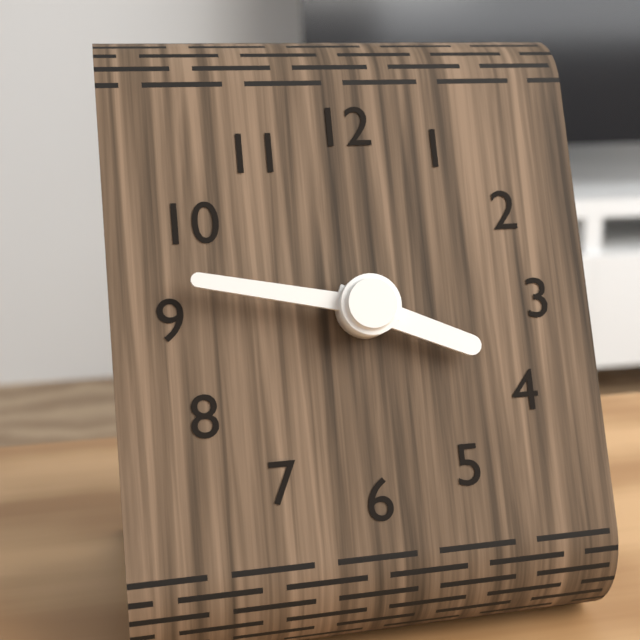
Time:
h=3 m=47
